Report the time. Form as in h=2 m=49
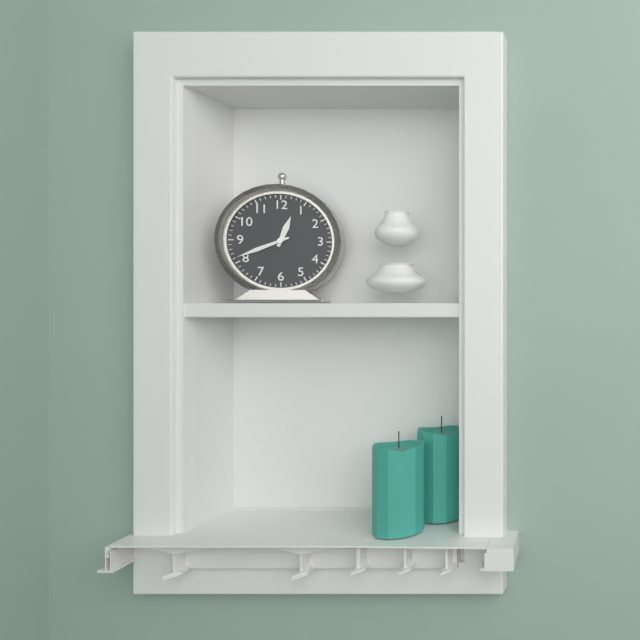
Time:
h=12 m=41
